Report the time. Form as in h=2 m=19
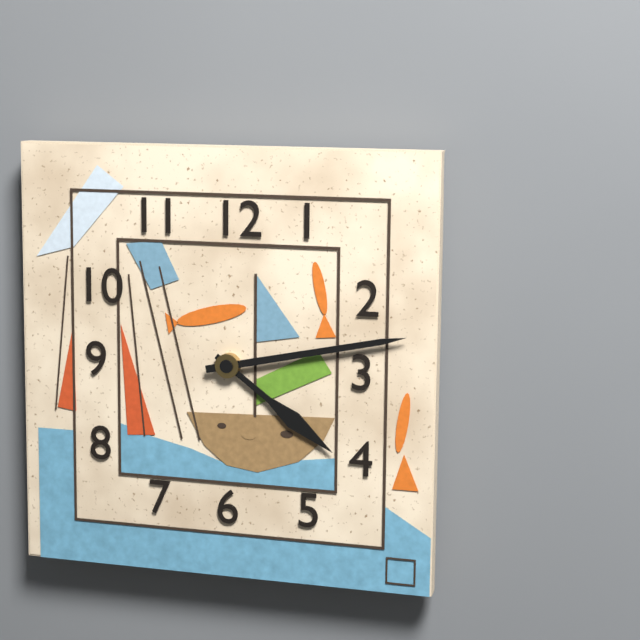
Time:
h=4 m=13
